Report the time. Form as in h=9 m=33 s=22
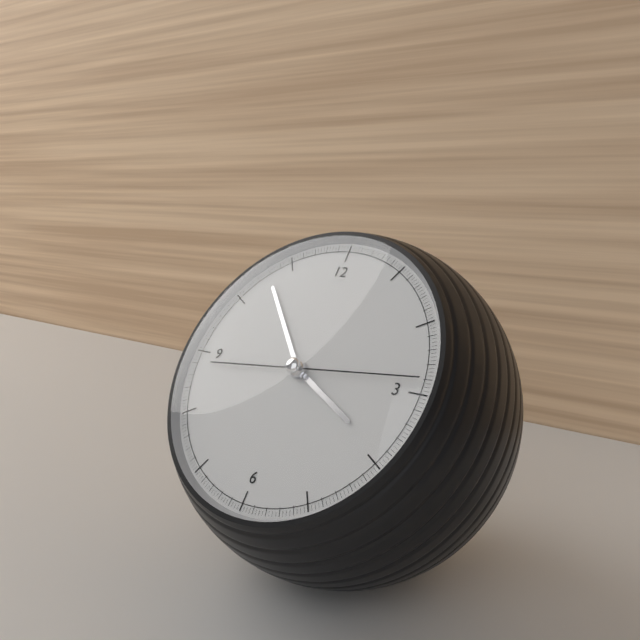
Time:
h=3 m=53 s=14
